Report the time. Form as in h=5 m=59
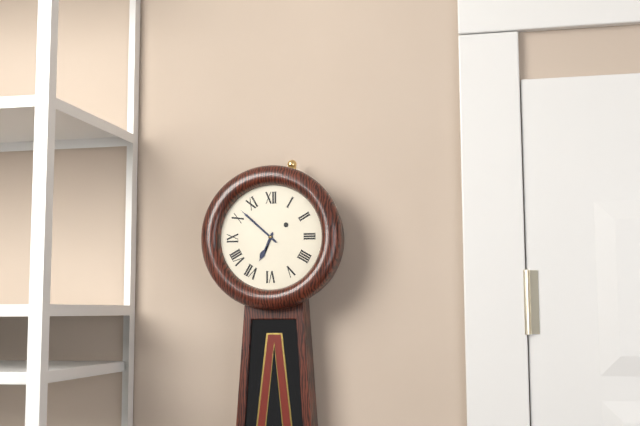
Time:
h=6 m=52
